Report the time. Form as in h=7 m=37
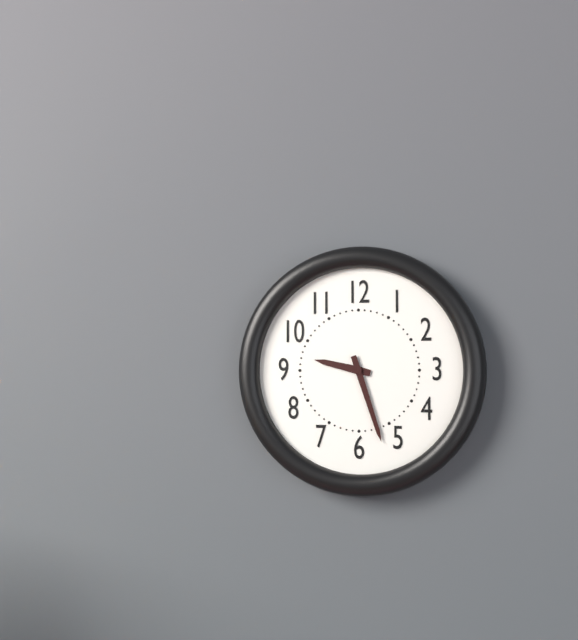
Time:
h=9 m=27
